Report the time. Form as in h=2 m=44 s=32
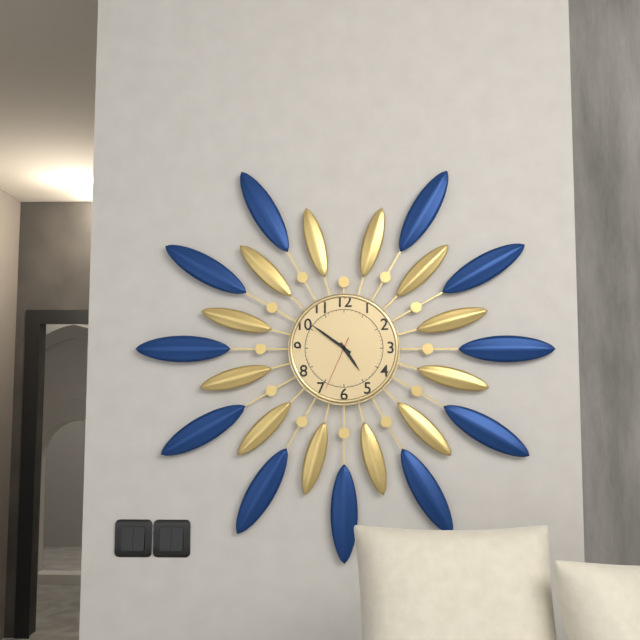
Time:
h=4 m=51 s=34
